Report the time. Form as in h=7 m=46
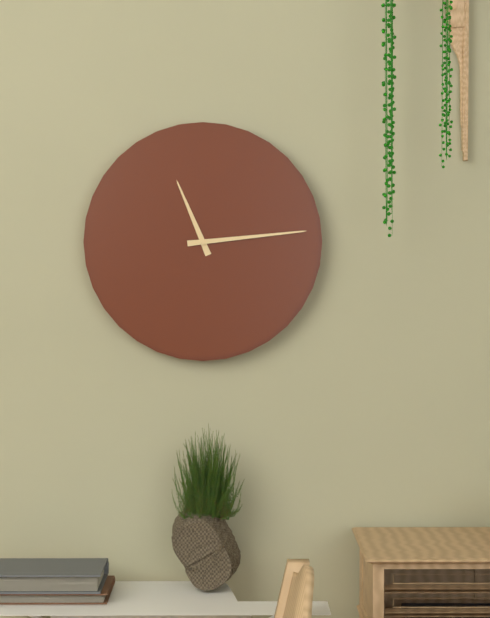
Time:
h=11 m=14
